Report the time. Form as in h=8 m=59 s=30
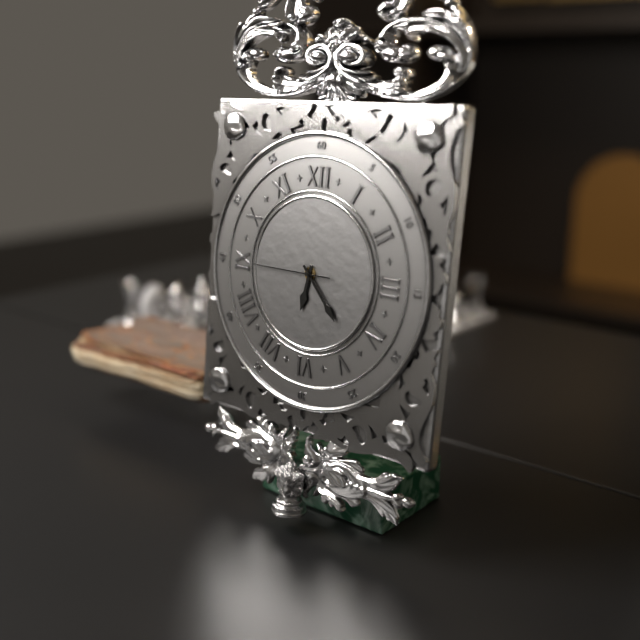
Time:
h=6 m=23 s=45
